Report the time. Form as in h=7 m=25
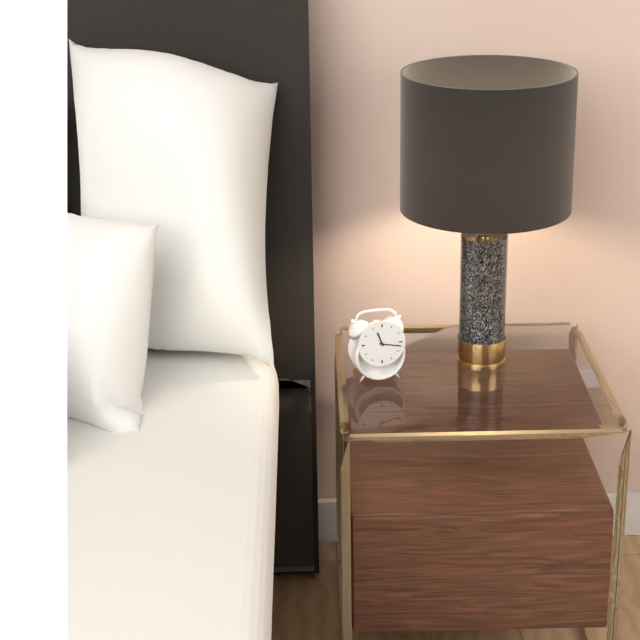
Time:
h=11 m=17
